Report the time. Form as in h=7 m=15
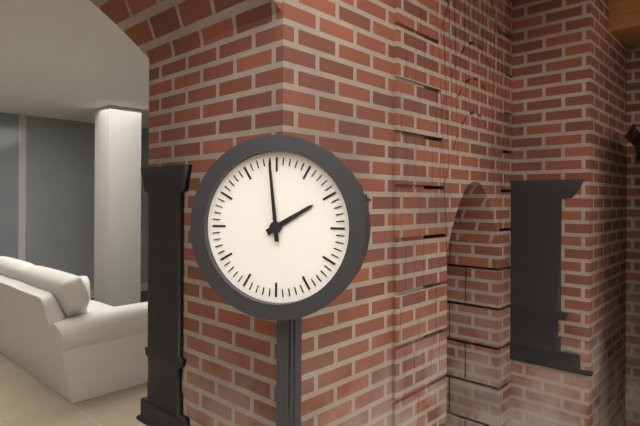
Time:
h=1 m=59
